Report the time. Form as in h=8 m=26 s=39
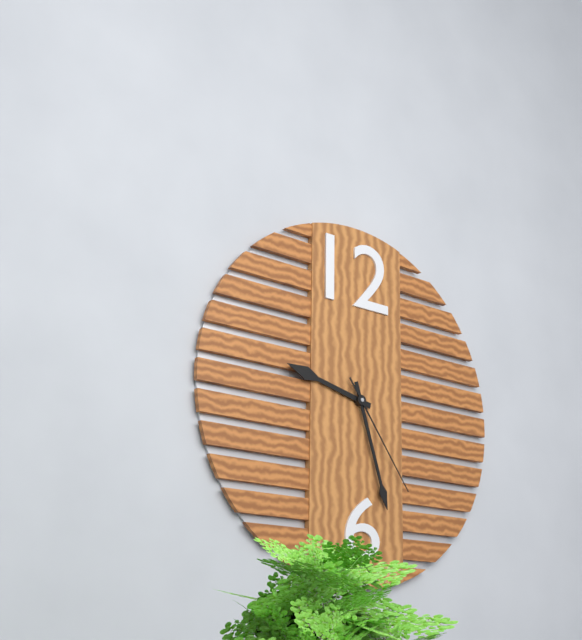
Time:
h=9 m=27 s=24
